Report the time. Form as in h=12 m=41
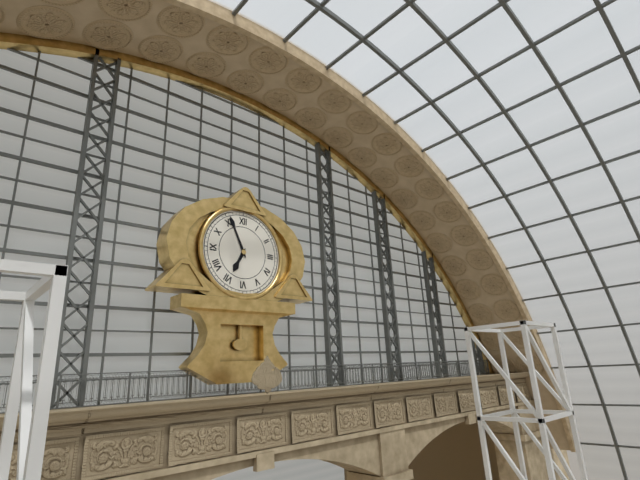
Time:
h=6 m=56
